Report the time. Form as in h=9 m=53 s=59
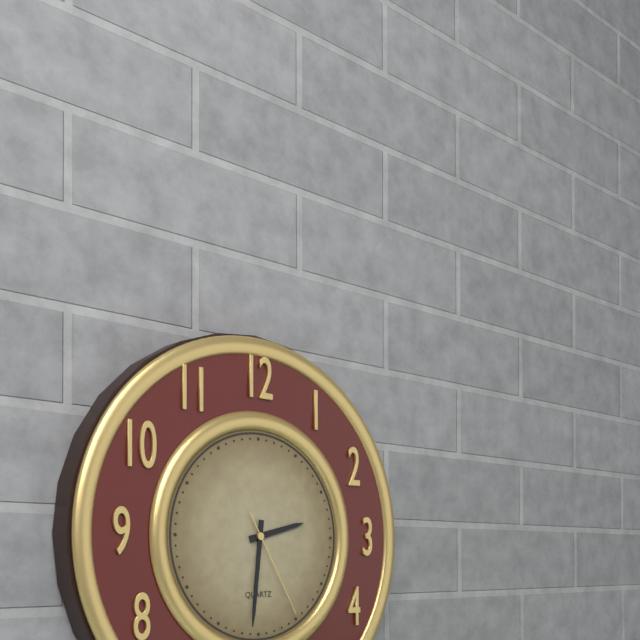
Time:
h=2 m=31 s=25
